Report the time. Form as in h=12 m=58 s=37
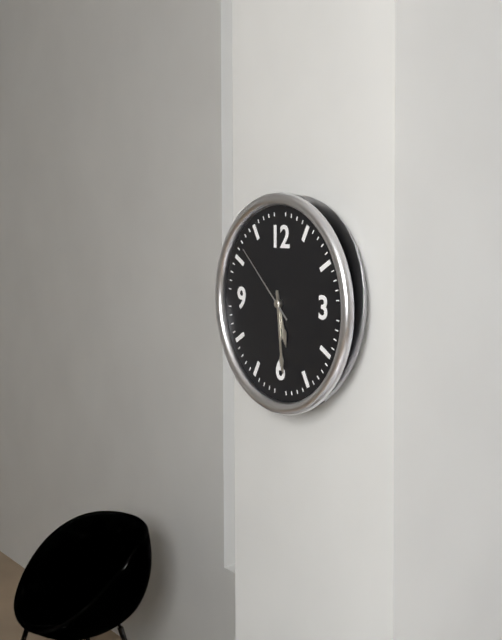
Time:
h=5 m=29 s=52
